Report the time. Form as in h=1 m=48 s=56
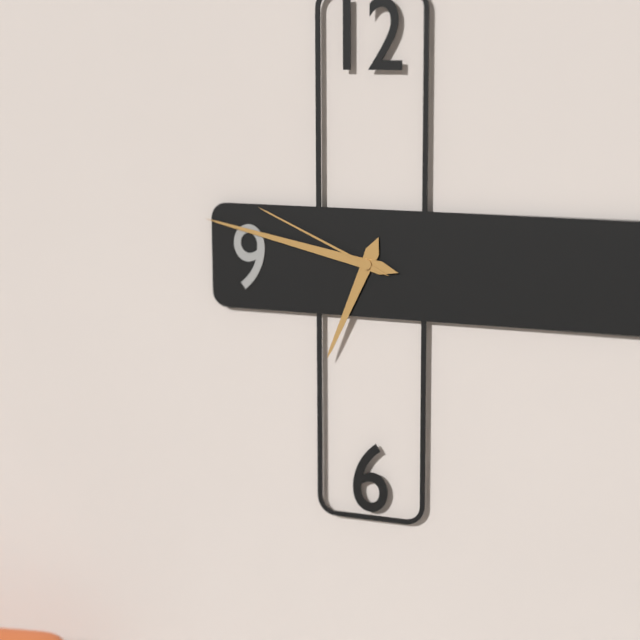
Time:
h=6 m=47 s=49
